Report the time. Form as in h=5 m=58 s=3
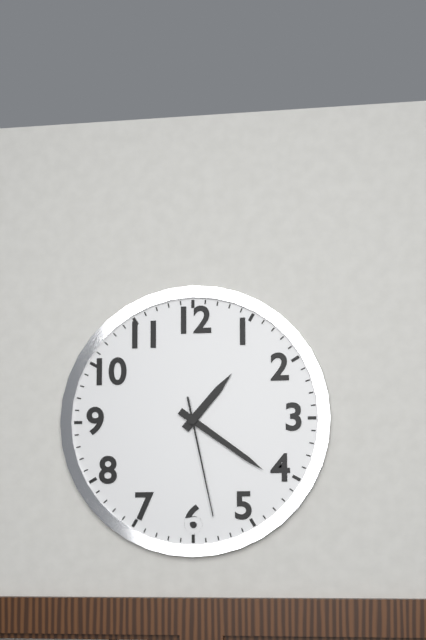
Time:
h=1 m=21 s=28
